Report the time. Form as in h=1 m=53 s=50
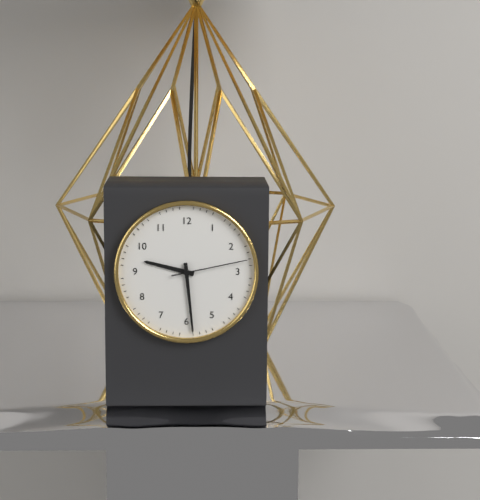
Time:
h=9 m=29 s=13
